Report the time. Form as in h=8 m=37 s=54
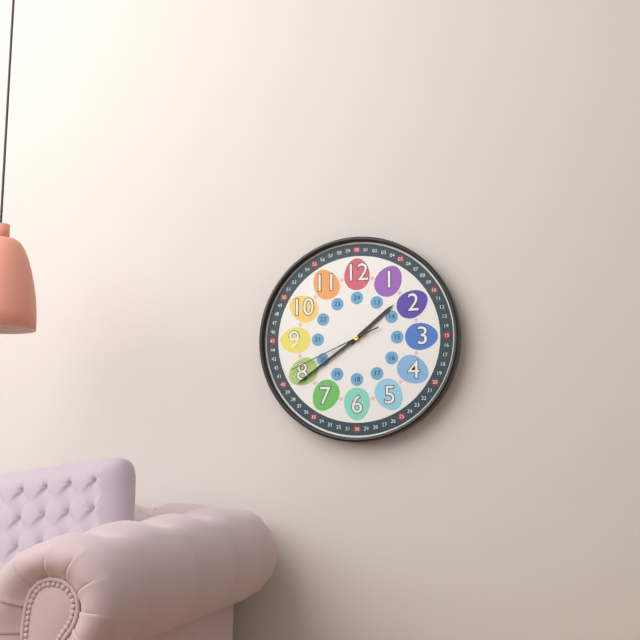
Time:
h=1 m=39 s=41
